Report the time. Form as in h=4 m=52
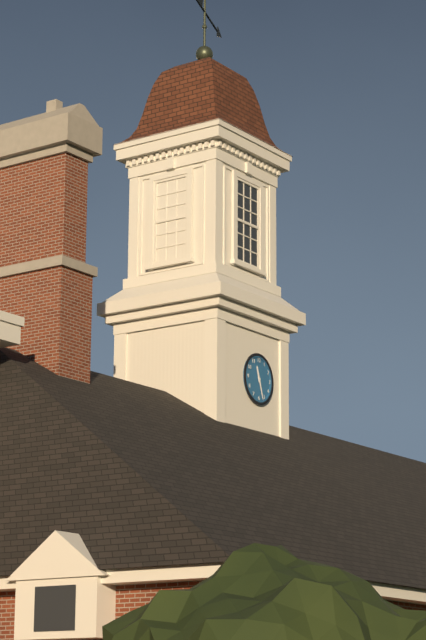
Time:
h=11 m=27
